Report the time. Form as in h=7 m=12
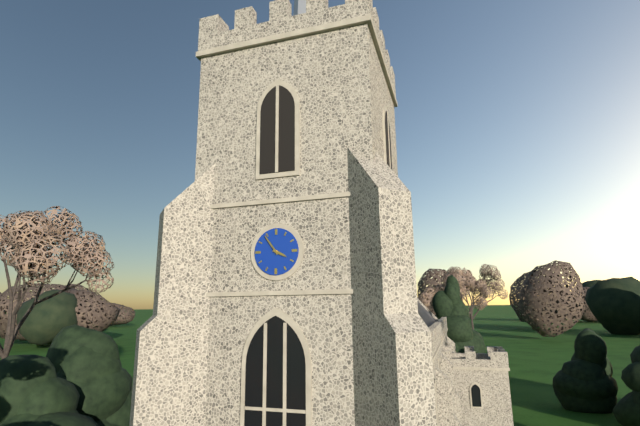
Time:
h=3 m=54
